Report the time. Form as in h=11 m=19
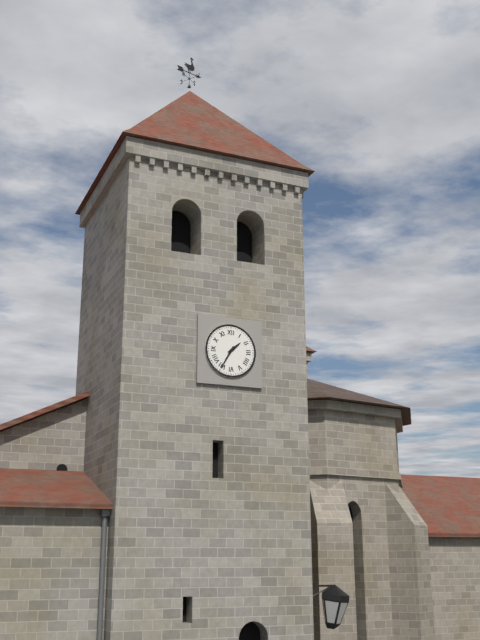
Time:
h=1 m=35
